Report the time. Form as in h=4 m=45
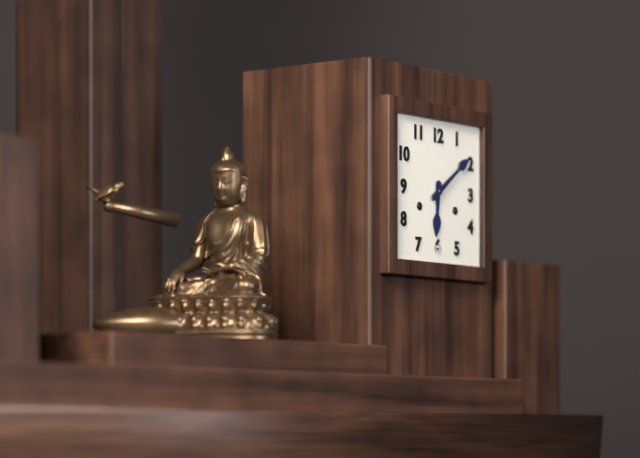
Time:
h=6 m=9
